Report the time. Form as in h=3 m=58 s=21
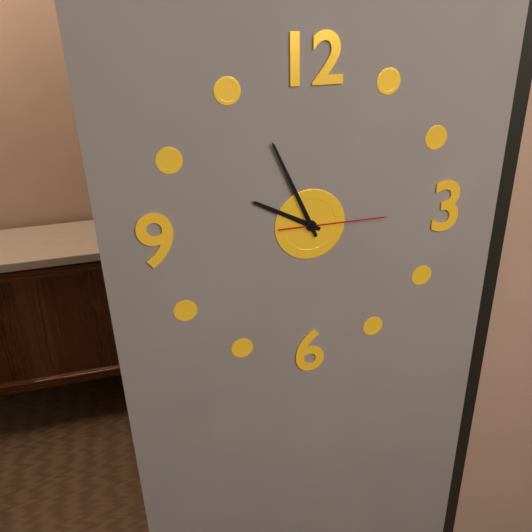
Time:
h=9 m=56 s=15
